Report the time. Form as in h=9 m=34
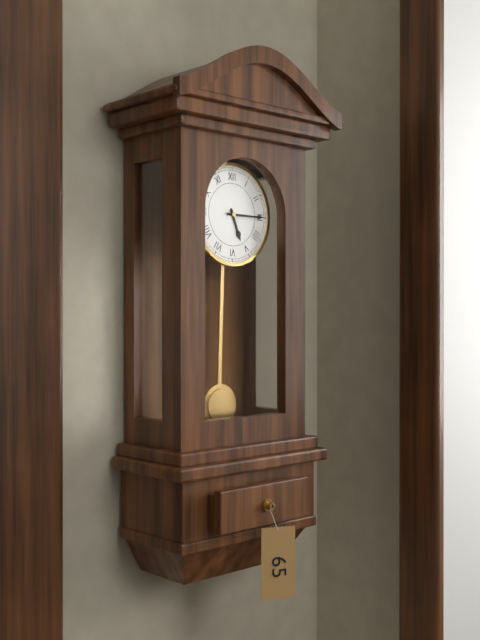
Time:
h=5 m=15
